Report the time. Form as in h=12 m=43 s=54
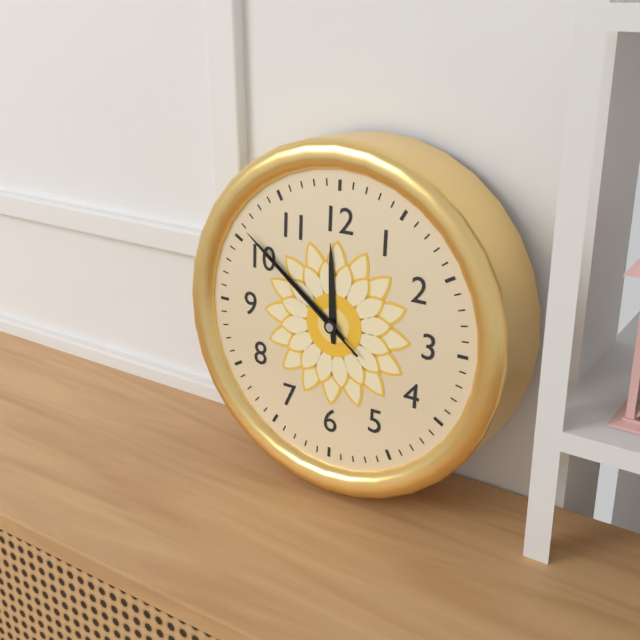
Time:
h=11 m=51 s=51
